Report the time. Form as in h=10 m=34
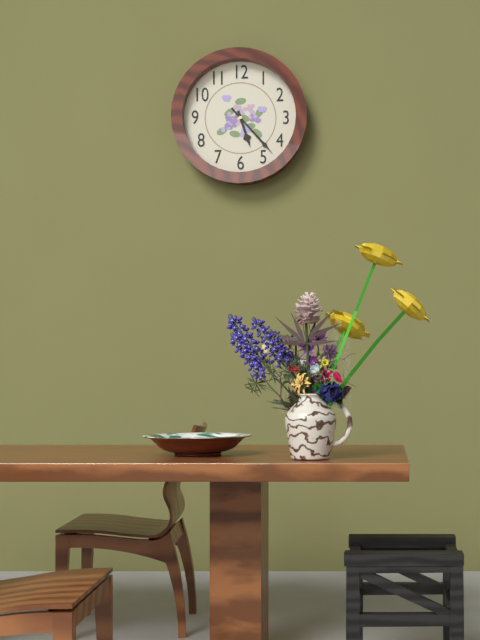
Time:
h=5 m=23
